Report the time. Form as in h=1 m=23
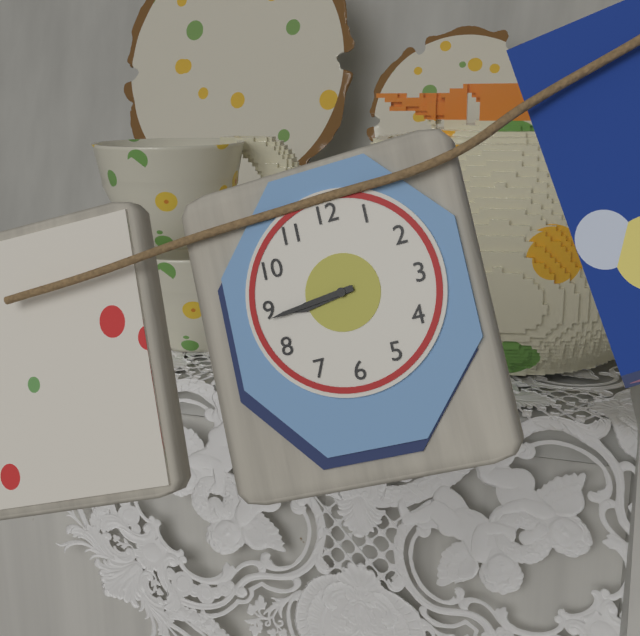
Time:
h=8 m=44
